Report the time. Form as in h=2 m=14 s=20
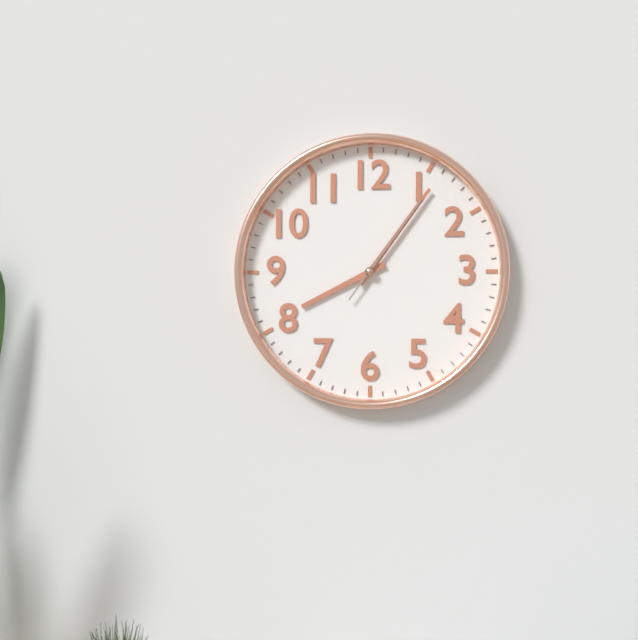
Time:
h=8 m=6 s=6
